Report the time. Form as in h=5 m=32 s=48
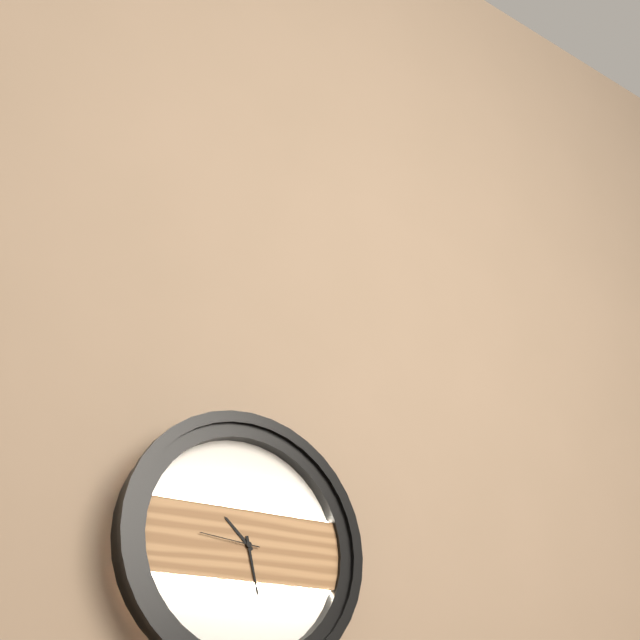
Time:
h=10 m=28 s=46
